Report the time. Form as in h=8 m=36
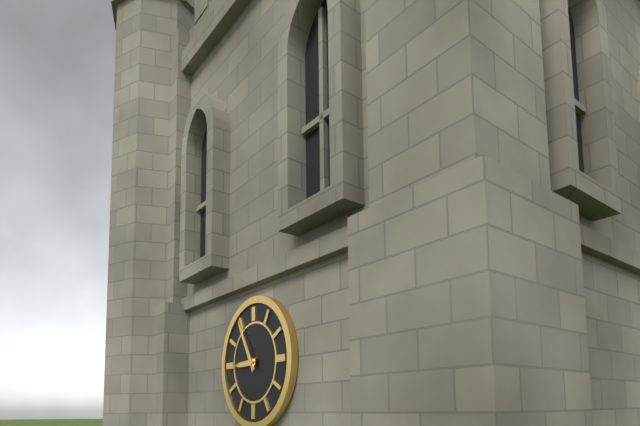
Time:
h=8 m=55
